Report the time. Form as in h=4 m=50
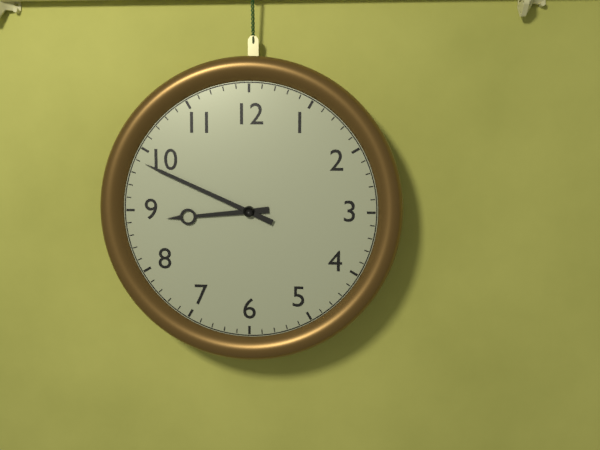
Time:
h=8 m=49
